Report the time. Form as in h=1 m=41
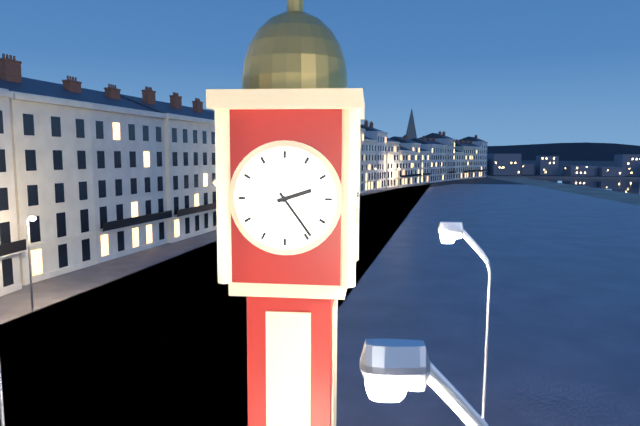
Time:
h=2 m=24
